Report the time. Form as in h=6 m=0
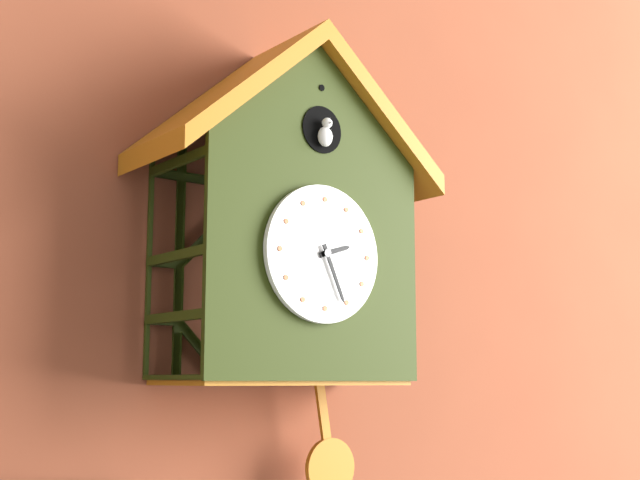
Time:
h=2 m=26
